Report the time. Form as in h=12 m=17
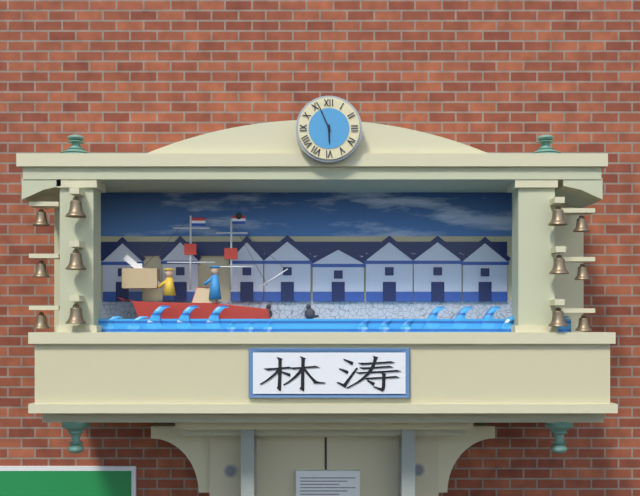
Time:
h=5 m=56
